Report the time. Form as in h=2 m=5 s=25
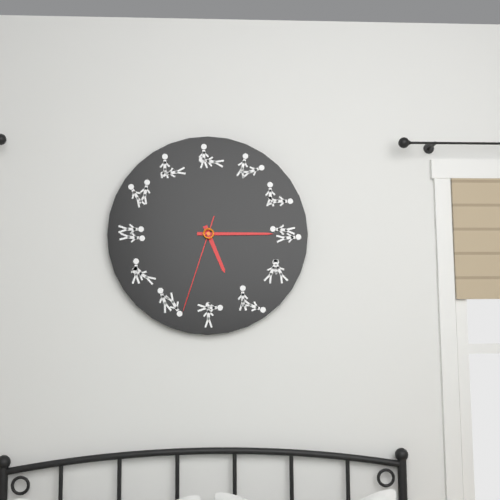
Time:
h=5 m=15 s=33
